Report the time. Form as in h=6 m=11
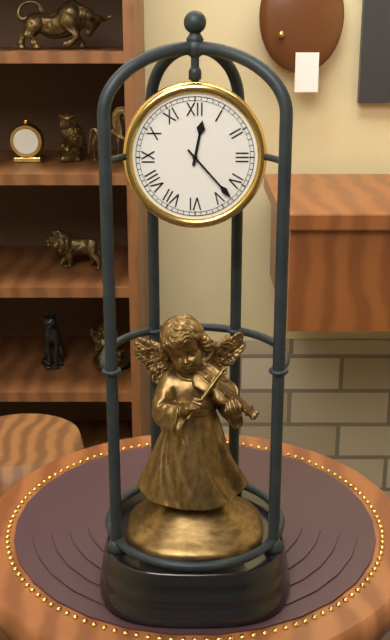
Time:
h=12 m=23
